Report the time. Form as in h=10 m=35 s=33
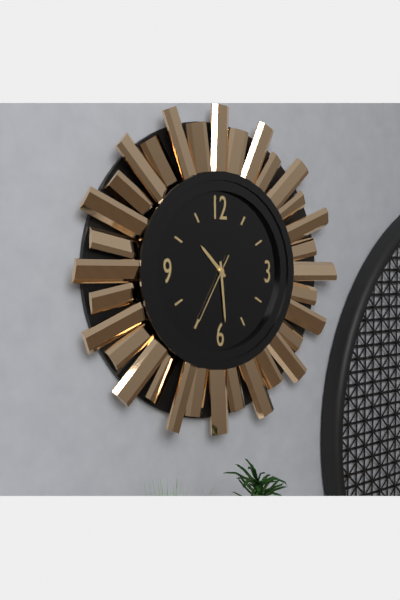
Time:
h=10 m=29 s=35
